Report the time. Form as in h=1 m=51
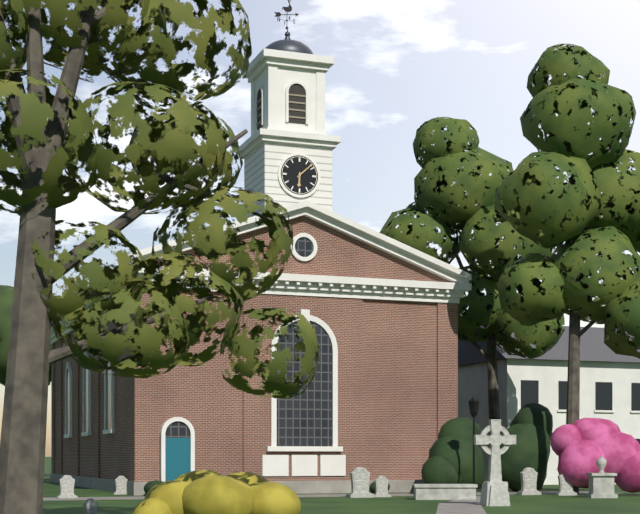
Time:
h=6 m=8
